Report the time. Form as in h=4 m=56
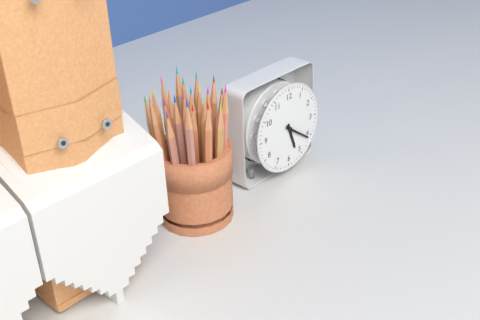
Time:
h=5 m=21
